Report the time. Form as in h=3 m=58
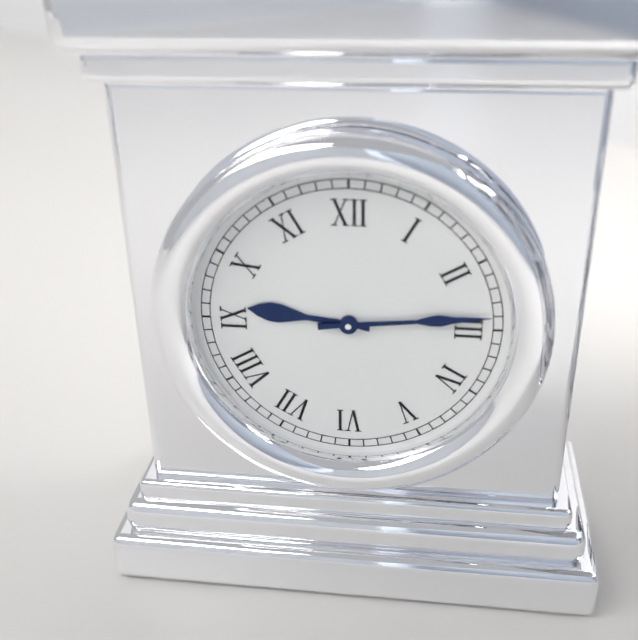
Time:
h=9 m=14
